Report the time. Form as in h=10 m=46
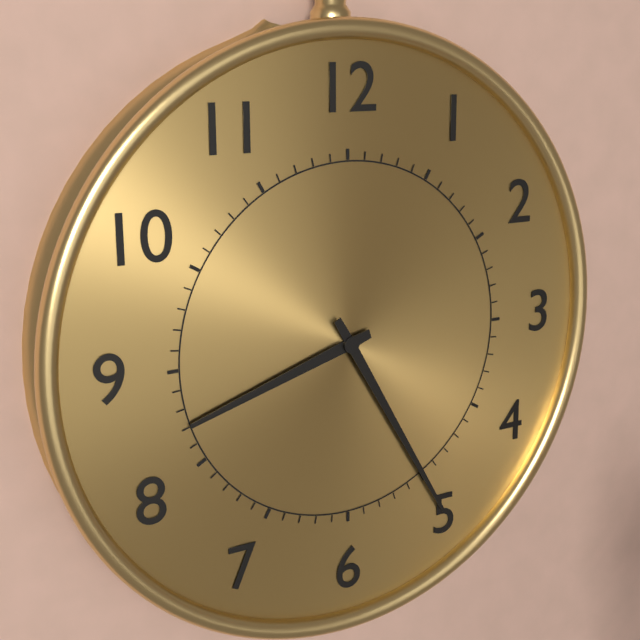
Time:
h=8 m=25
